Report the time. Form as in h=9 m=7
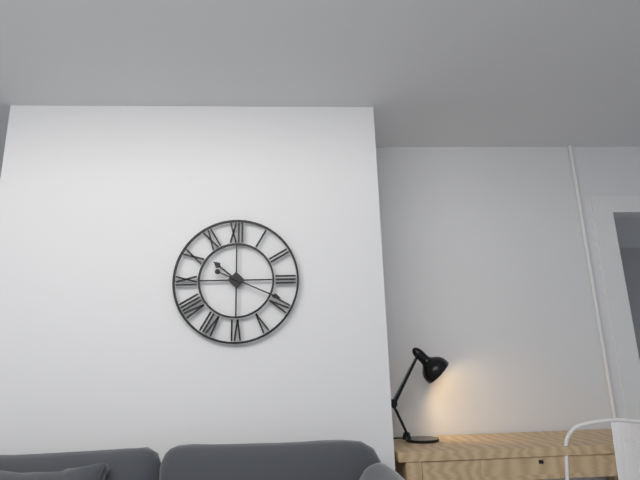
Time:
h=10 m=19
